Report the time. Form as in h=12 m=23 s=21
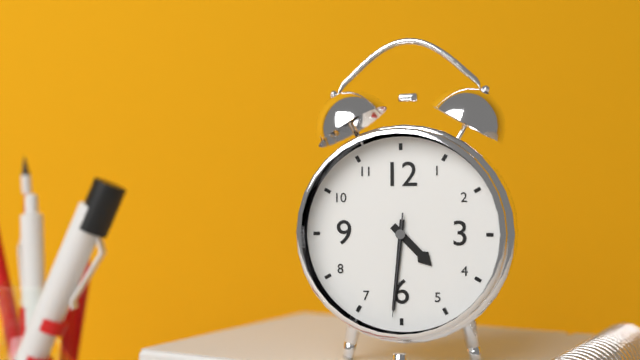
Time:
h=4 m=31 s=31
